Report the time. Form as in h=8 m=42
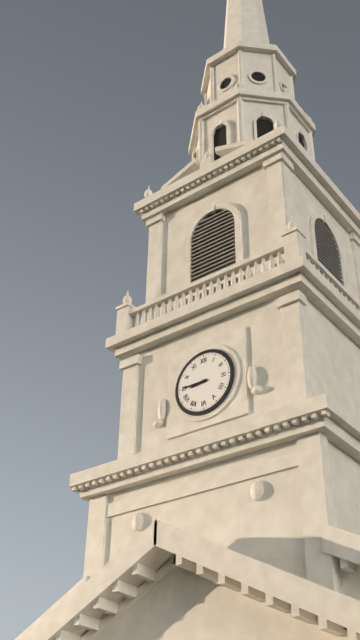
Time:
h=8 m=45
